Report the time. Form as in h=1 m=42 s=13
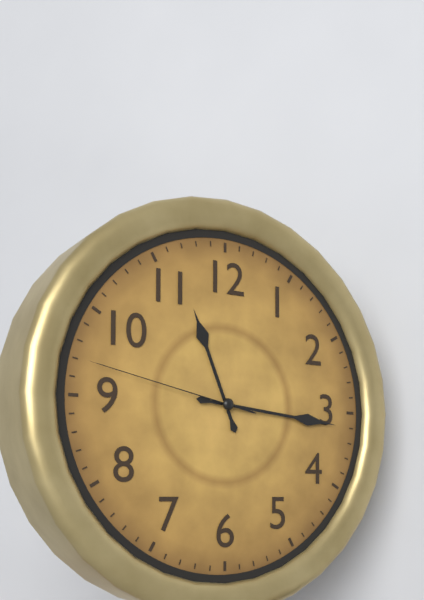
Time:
h=11 m=16 s=47
